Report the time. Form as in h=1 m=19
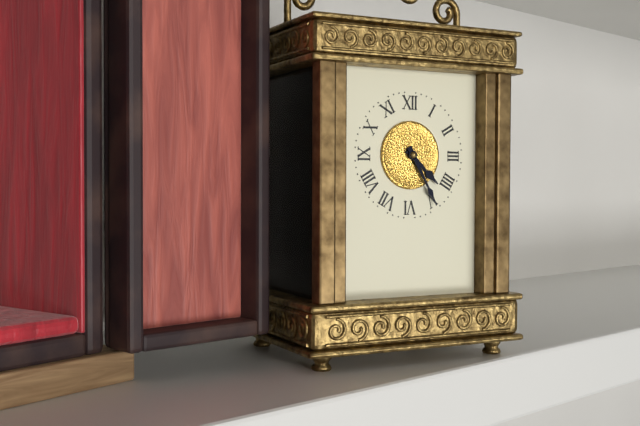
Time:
h=4 m=25
